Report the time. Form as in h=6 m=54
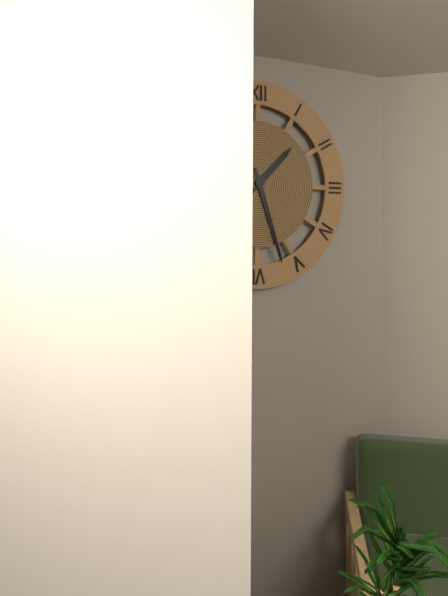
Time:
h=1 m=27
